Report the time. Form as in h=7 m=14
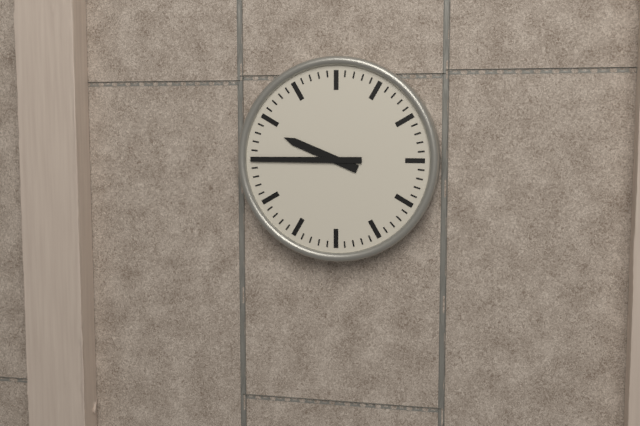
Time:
h=9 m=45
